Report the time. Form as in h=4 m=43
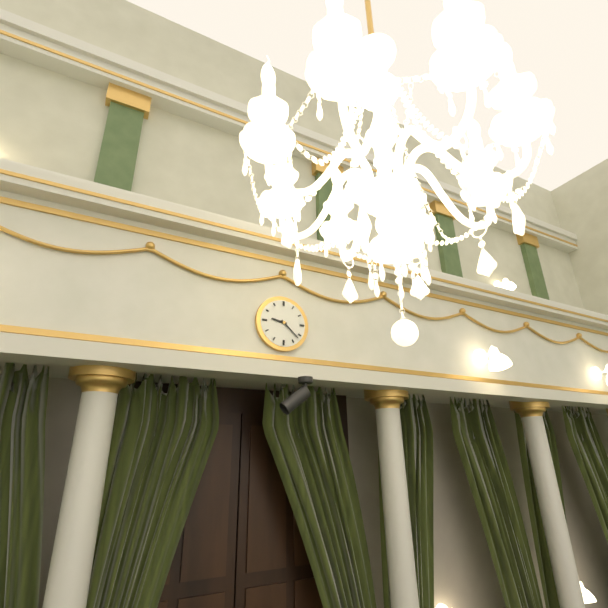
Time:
h=9 m=22
